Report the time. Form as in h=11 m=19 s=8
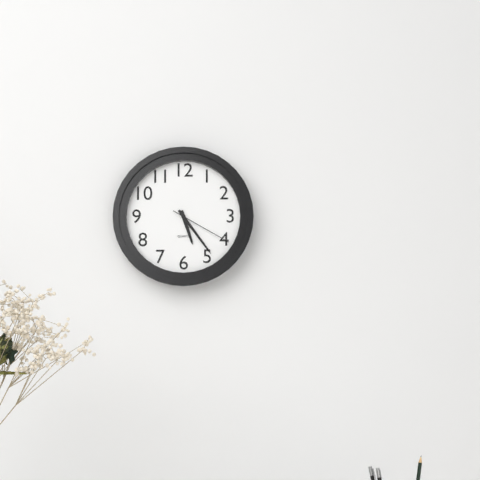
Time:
h=5 m=24 s=20
